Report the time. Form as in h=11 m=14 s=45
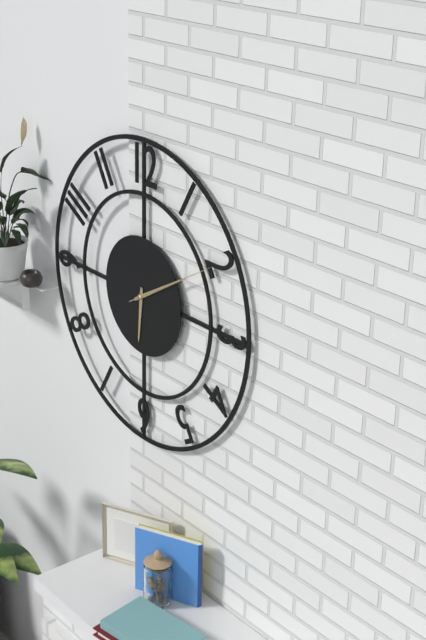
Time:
h=6 m=10 s=10
